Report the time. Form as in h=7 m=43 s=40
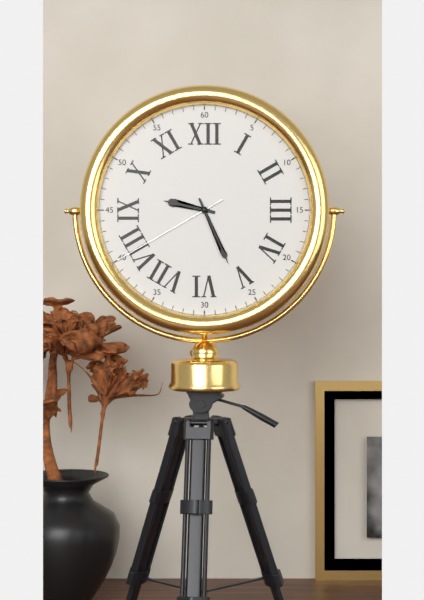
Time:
h=9 m=26 s=40
